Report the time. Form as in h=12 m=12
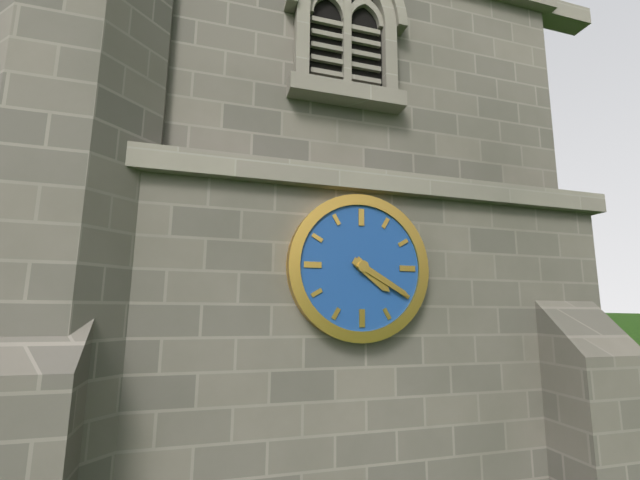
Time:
h=4 m=20
